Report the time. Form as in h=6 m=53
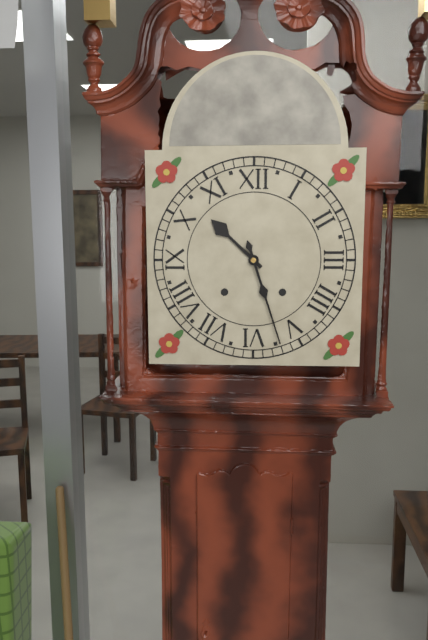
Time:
h=10 m=27
